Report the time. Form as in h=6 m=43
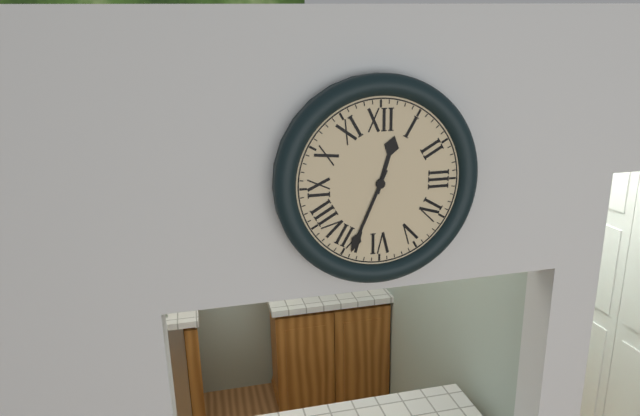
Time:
h=12 m=34
